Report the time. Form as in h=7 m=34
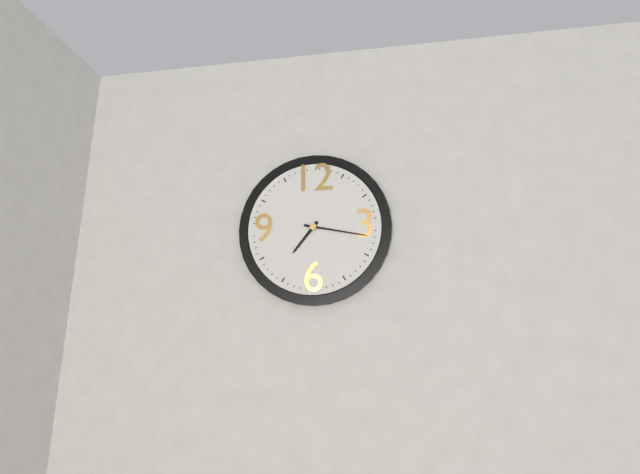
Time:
h=7 m=17
